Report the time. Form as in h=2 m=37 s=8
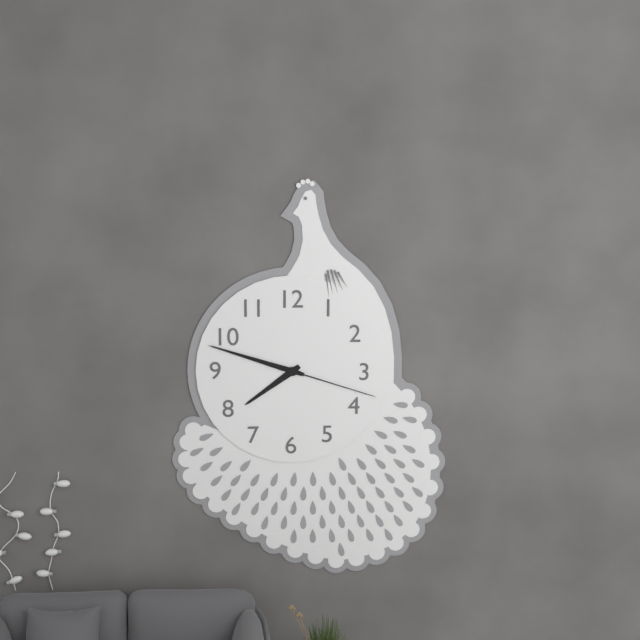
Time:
h=7 m=48 s=18
